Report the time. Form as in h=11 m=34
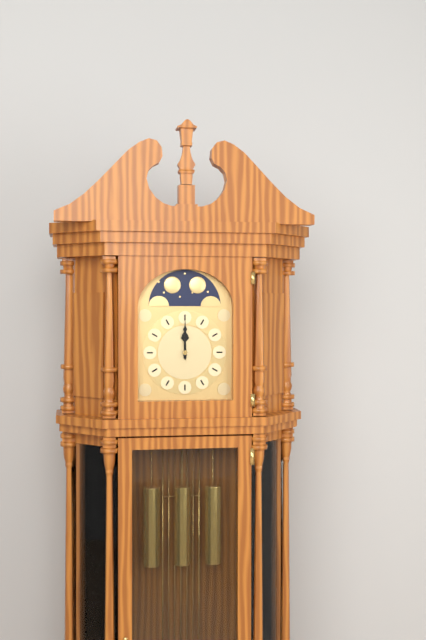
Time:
h=12 m=0
